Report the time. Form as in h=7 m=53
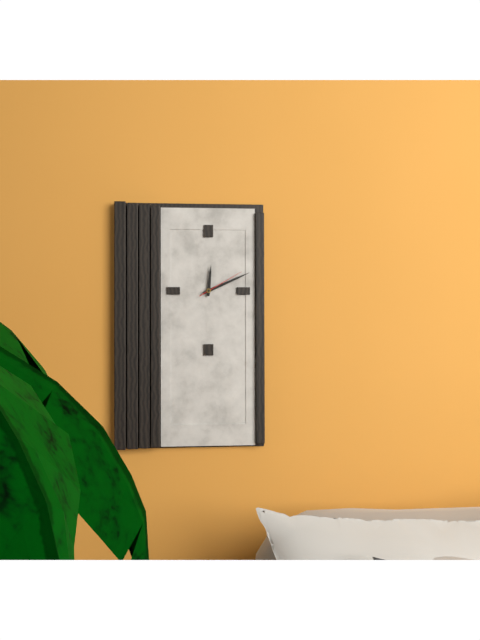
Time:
h=12 m=11
